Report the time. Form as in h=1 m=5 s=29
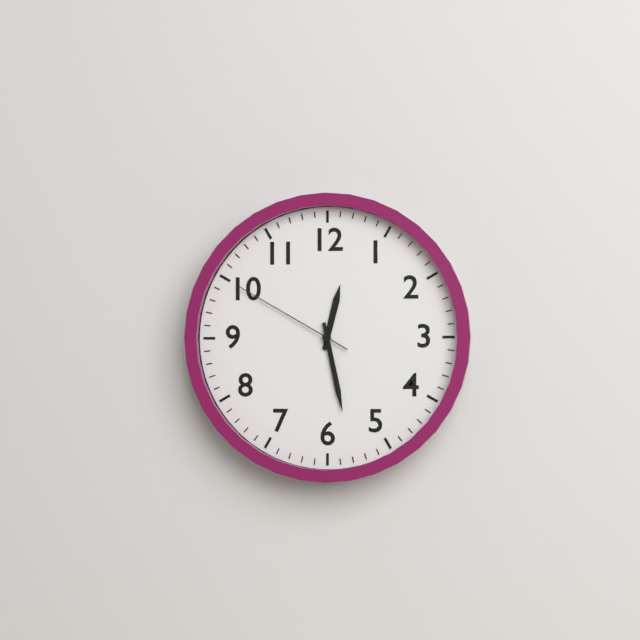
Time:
h=12 m=28 s=50
